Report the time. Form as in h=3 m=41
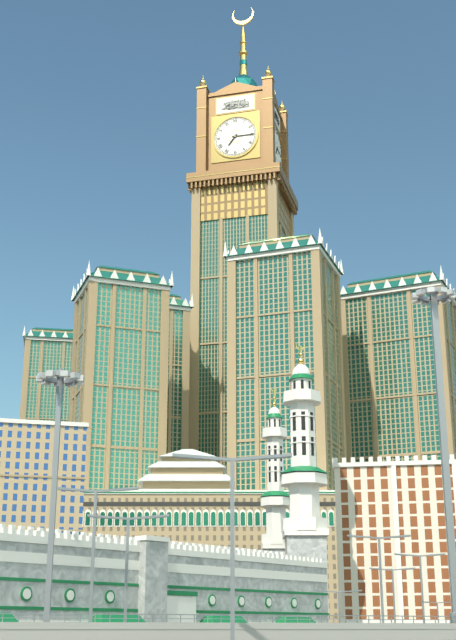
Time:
h=7 m=15
